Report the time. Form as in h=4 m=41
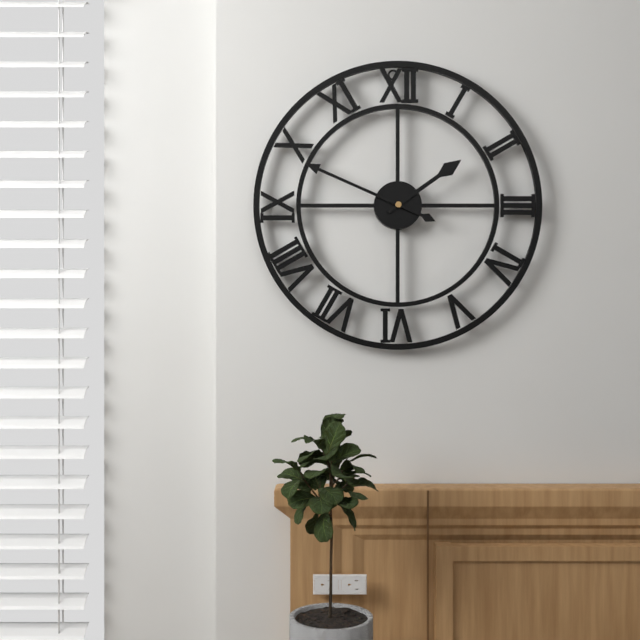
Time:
h=1 m=49
